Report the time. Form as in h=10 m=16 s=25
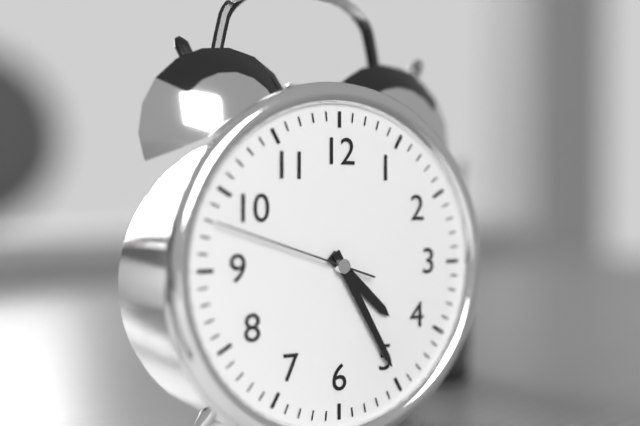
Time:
h=4 m=25 s=48
